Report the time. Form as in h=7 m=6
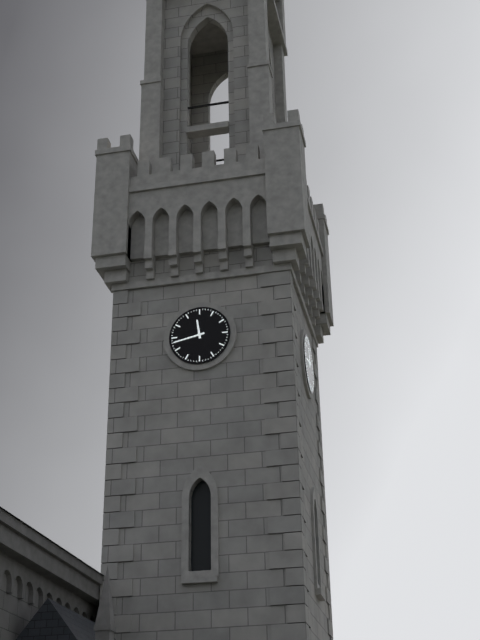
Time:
h=11 m=43
